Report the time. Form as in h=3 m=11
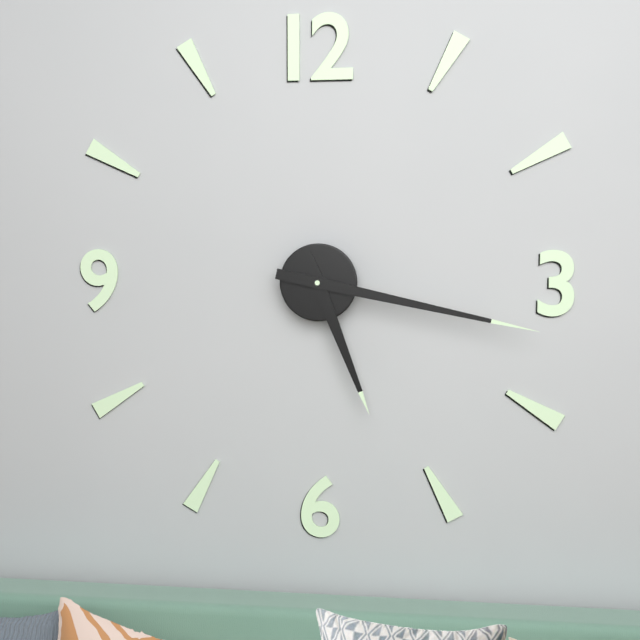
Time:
h=5 m=17
